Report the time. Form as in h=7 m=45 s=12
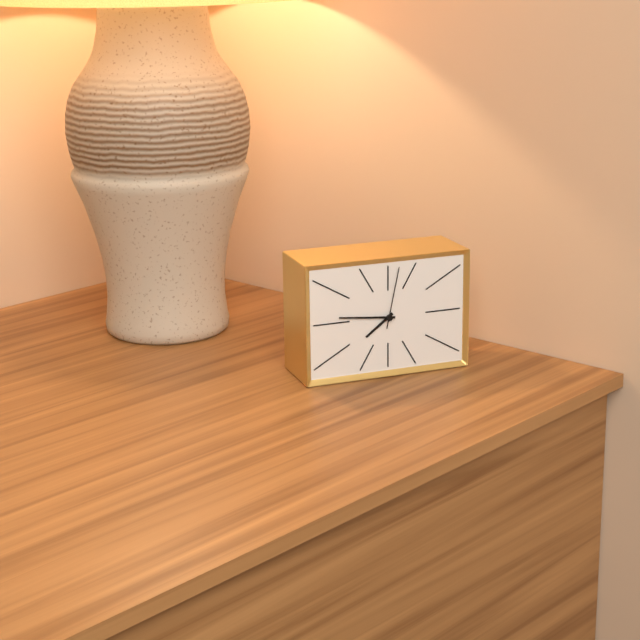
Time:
h=7 m=46 s=2
